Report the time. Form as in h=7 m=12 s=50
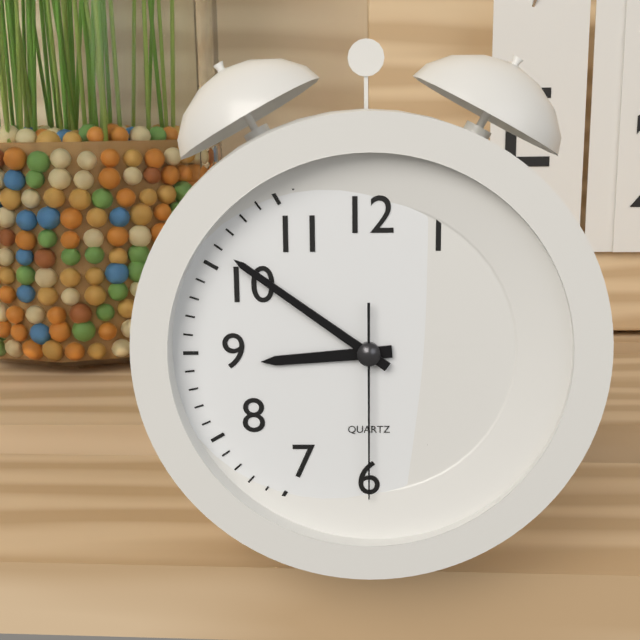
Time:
h=8 m=51 s=30
